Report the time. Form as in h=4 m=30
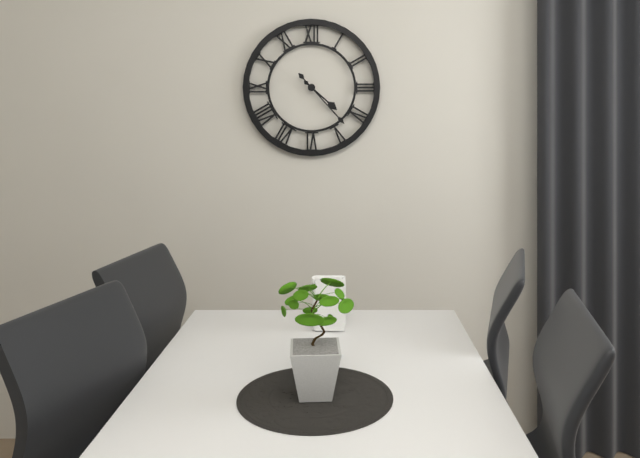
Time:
h=4 m=23
